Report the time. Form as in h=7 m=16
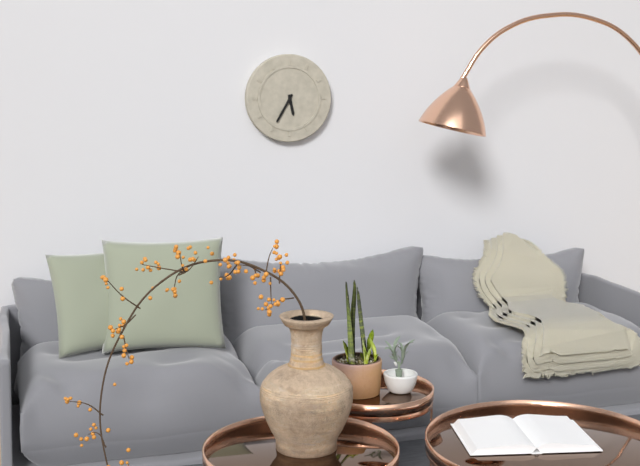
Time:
h=5 m=35
